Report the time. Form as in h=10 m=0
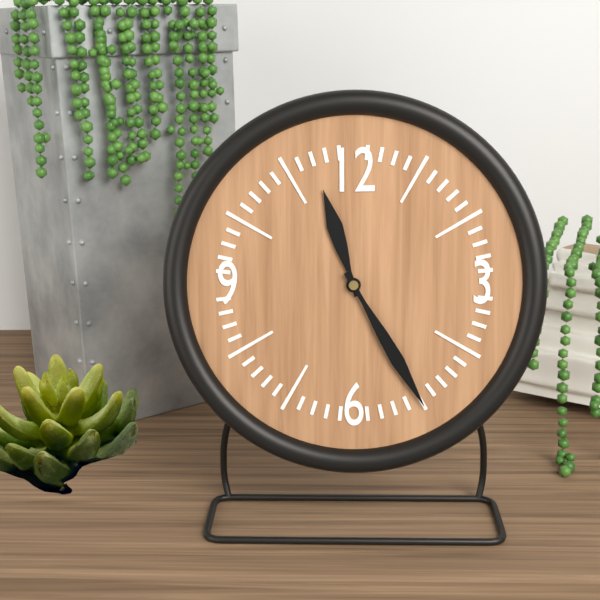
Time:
h=11 m=25
